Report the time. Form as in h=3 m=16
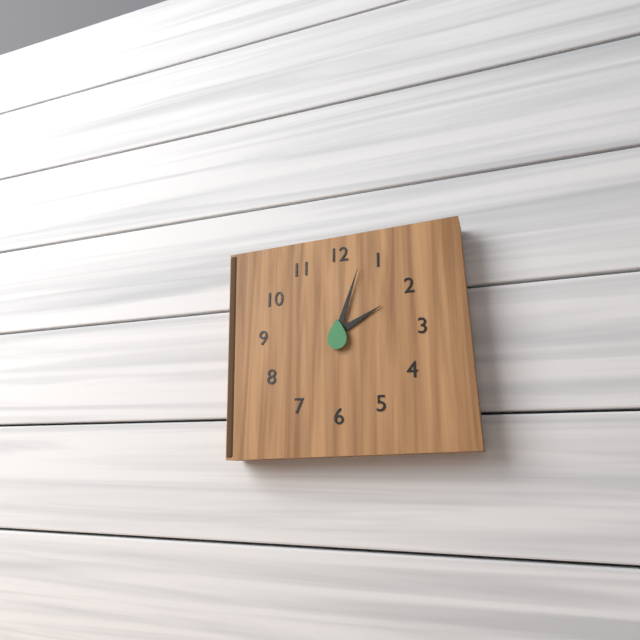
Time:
h=2 m=3
